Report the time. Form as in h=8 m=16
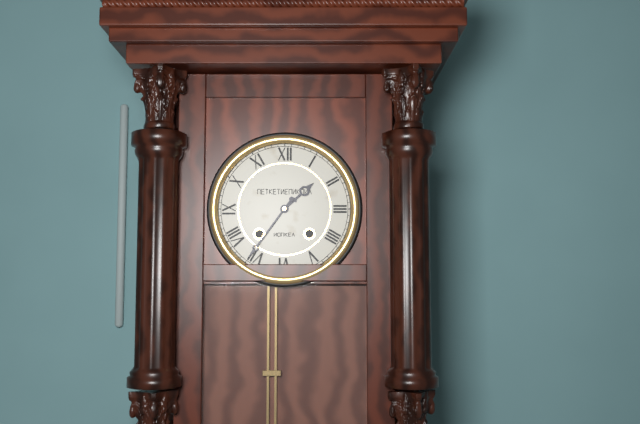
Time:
h=1 m=36
